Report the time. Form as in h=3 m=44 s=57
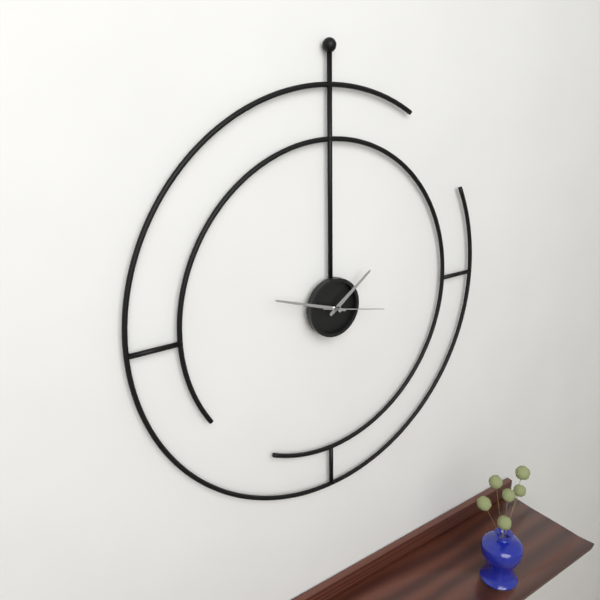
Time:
h=1 m=48 s=17
